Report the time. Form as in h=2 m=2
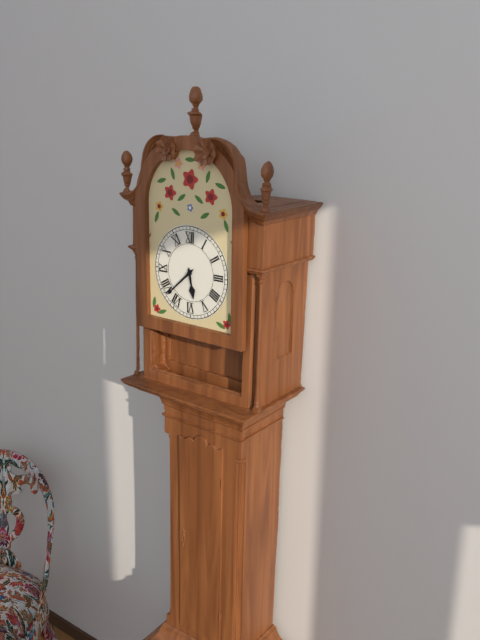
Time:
h=5 m=38
